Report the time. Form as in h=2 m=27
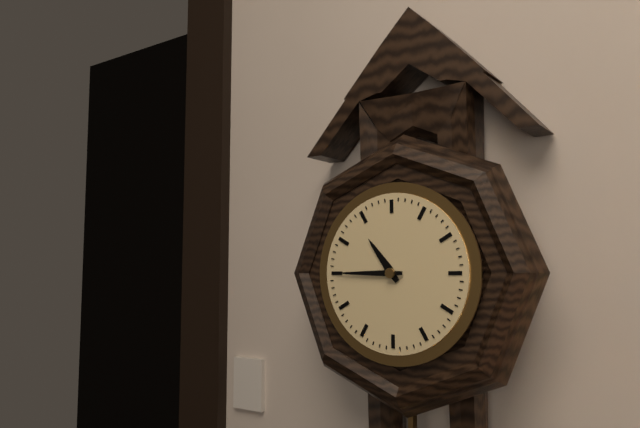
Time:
h=10 m=45
